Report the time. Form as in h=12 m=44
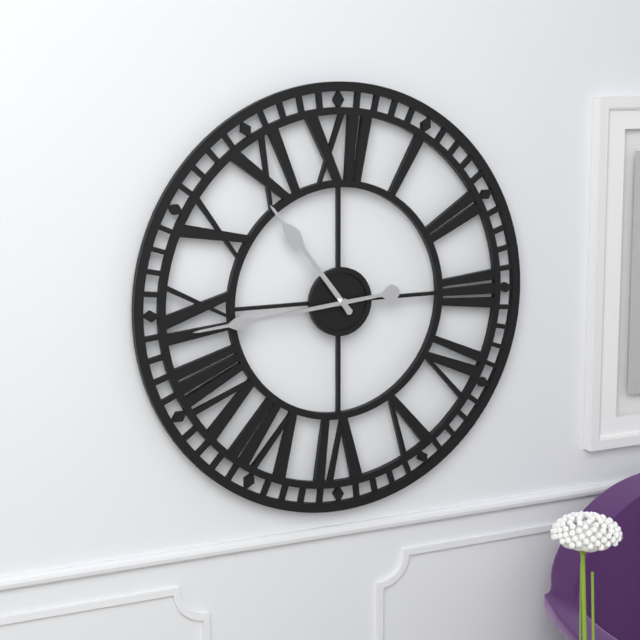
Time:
h=10 m=44
